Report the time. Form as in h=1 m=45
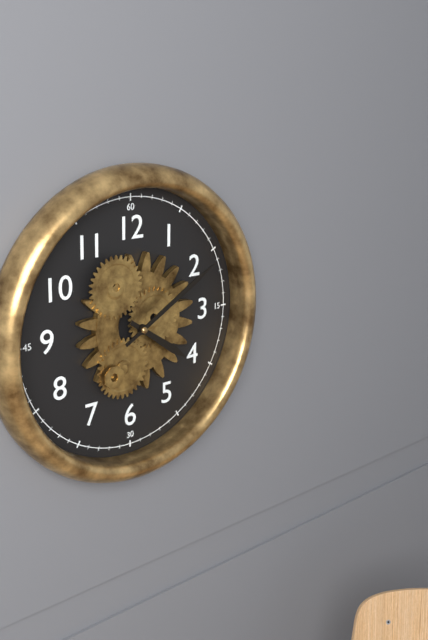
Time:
h=4 m=10
